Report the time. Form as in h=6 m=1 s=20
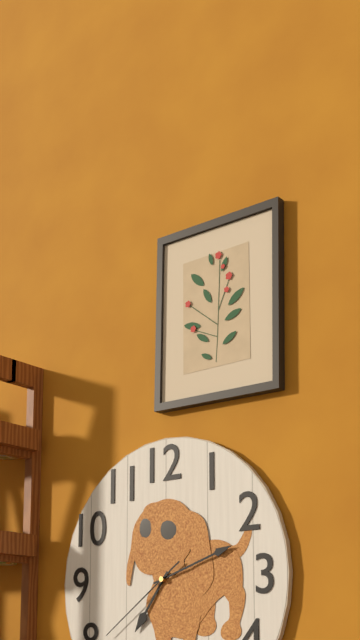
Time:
h=7 m=12 s=39
